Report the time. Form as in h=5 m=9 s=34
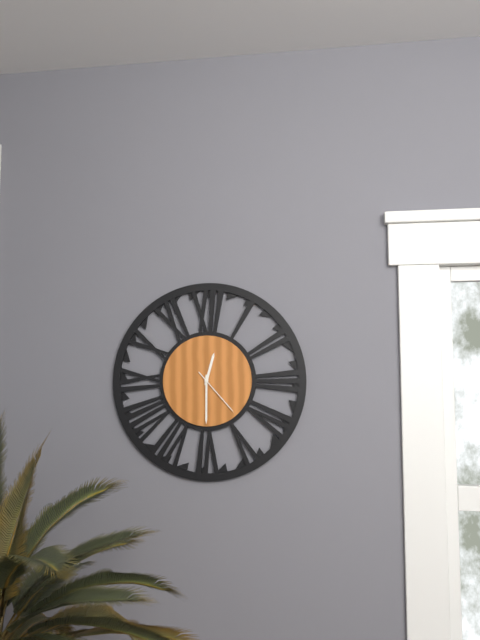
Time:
h=12 m=30 s=23
